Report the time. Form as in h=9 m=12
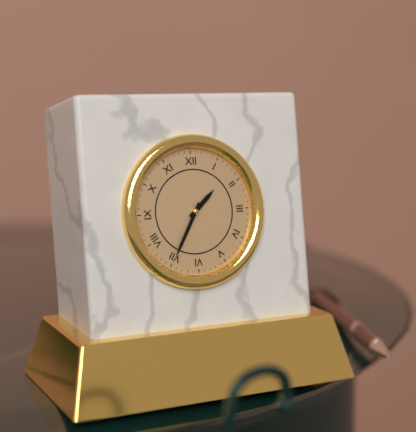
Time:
h=1 m=35
